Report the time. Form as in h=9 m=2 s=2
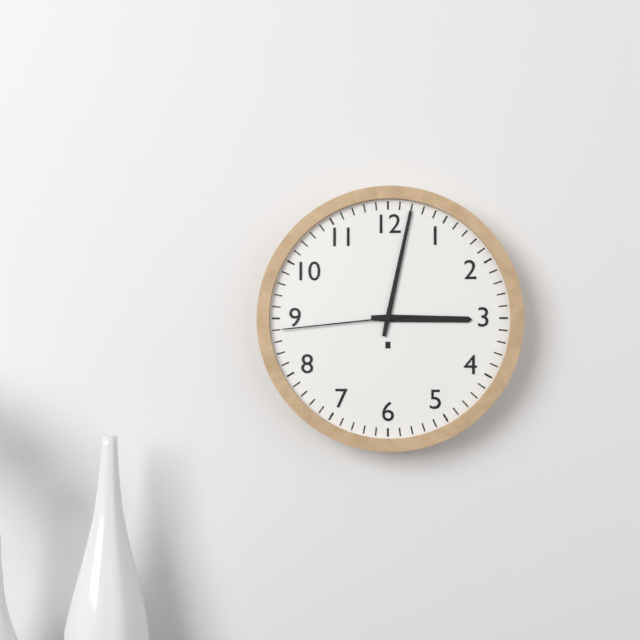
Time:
h=3 m=2 s=44
